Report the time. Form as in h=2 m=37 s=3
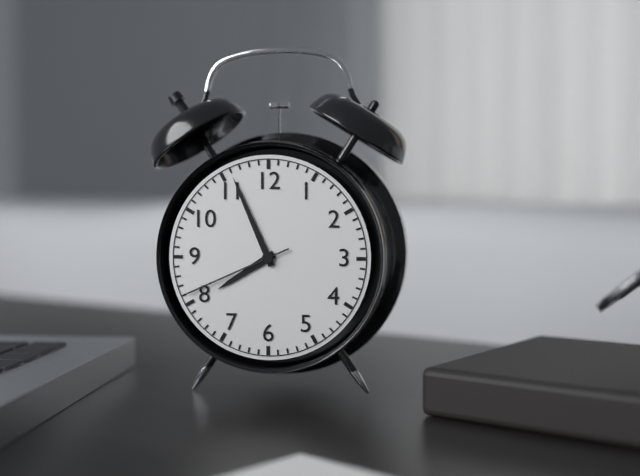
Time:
h=7 m=56 s=41
